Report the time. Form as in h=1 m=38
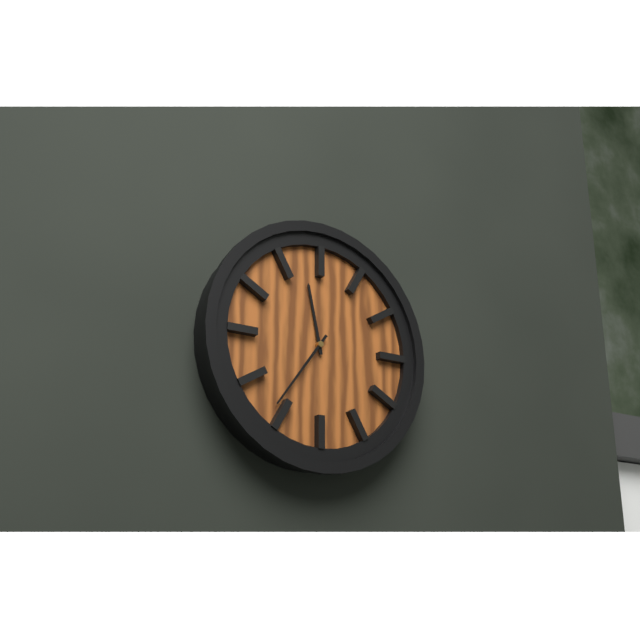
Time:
h=11 m=36
